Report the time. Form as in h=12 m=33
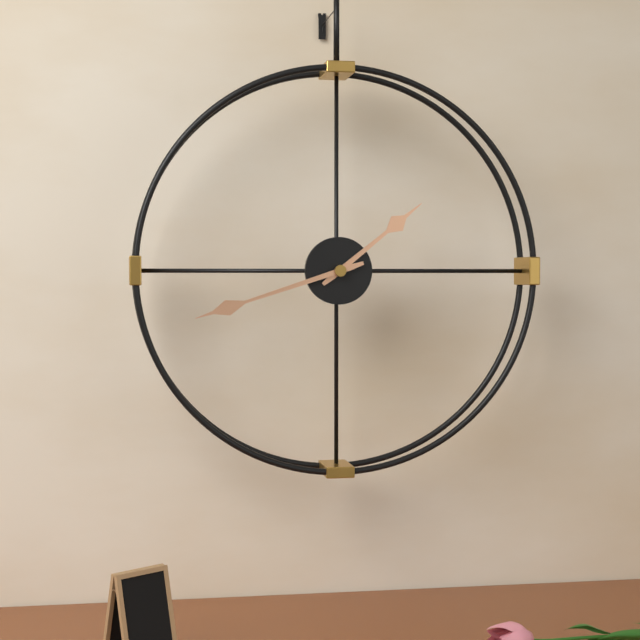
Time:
h=1 m=42
